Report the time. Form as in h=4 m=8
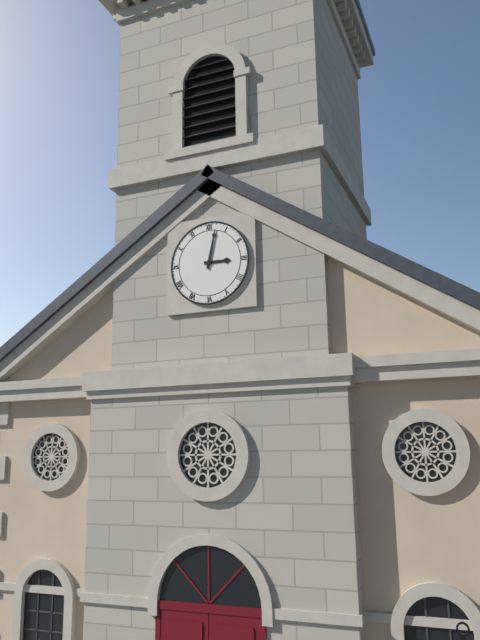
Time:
h=3 m=2
